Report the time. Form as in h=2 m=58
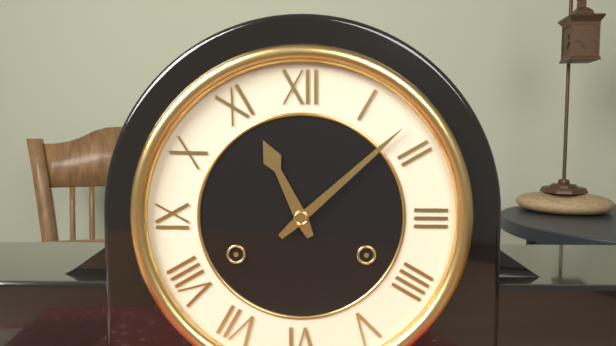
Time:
h=11 m=8
